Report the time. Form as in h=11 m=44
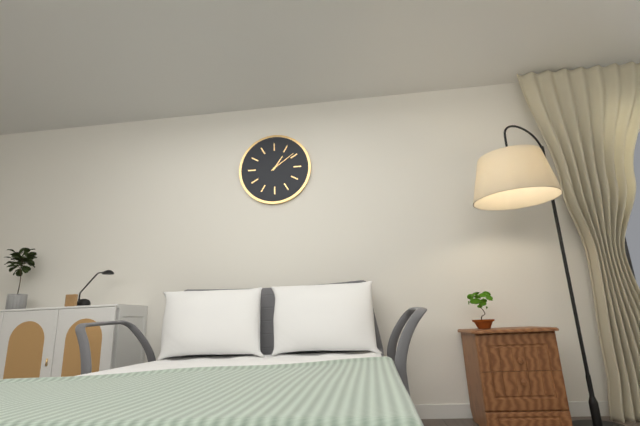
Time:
h=1 m=9
